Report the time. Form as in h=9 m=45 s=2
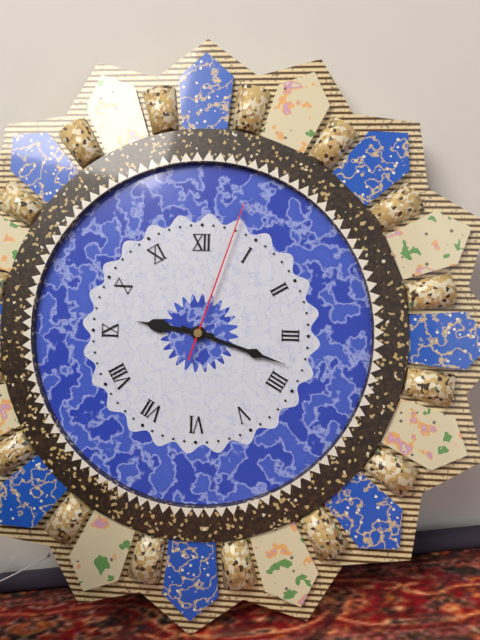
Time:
h=9 m=18 s=3
